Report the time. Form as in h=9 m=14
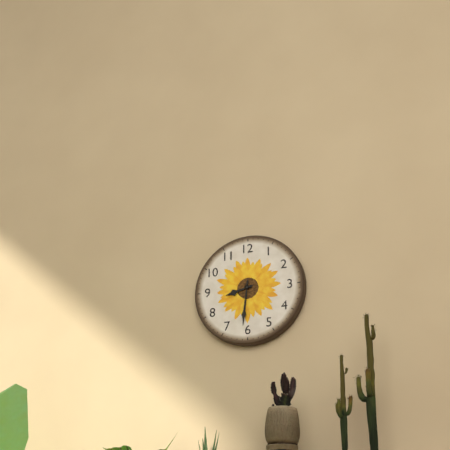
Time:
h=8 m=31
